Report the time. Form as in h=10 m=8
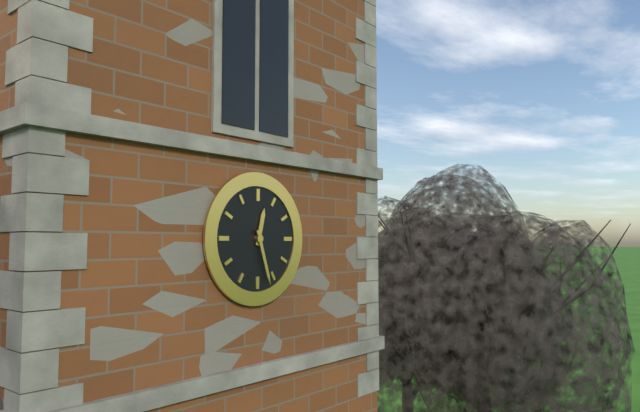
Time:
h=12 m=27
